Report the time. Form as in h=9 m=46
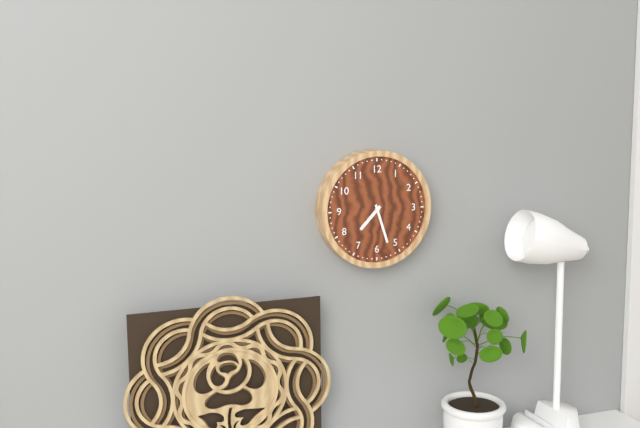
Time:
h=7 m=27
